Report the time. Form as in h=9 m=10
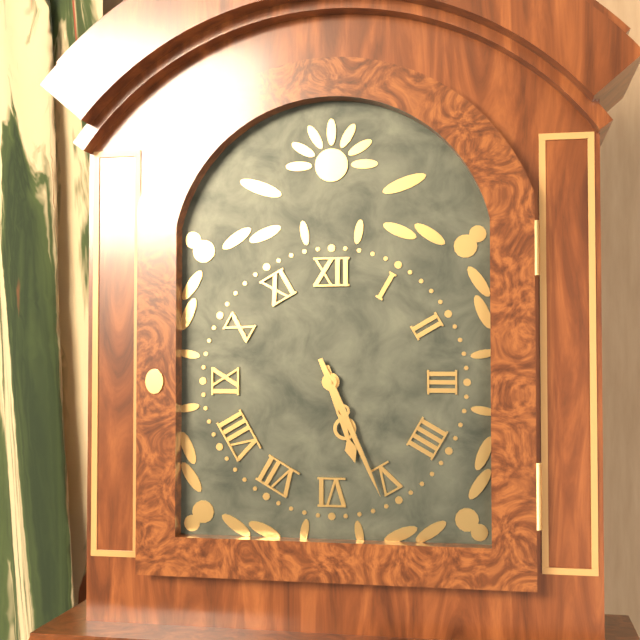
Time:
h=5 m=26
